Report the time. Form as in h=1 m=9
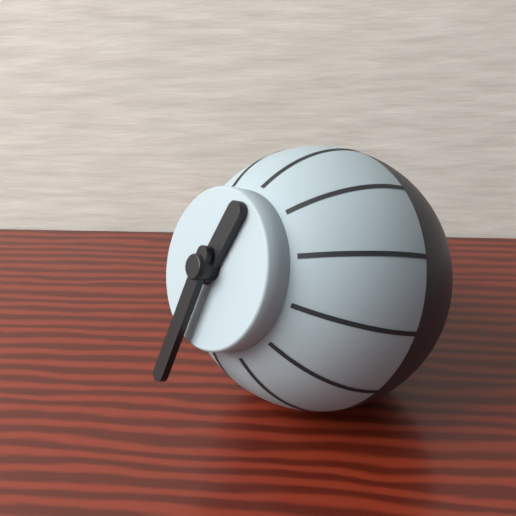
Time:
h=12 m=31
